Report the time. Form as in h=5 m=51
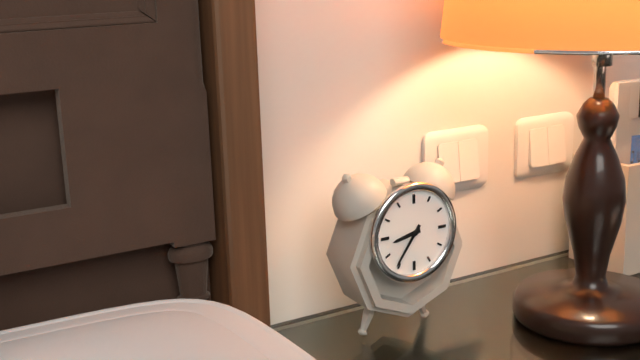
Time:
h=8 m=36
